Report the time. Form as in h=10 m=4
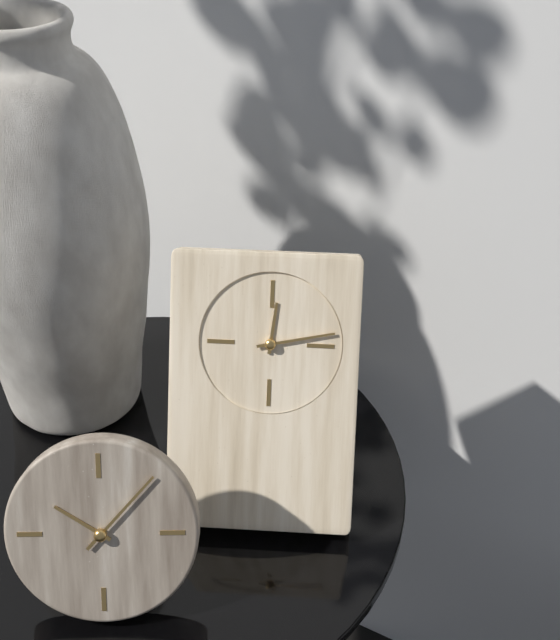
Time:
h=12 m=13
